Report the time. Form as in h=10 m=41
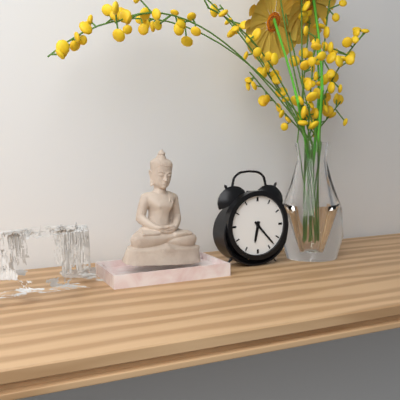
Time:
h=6 m=23
